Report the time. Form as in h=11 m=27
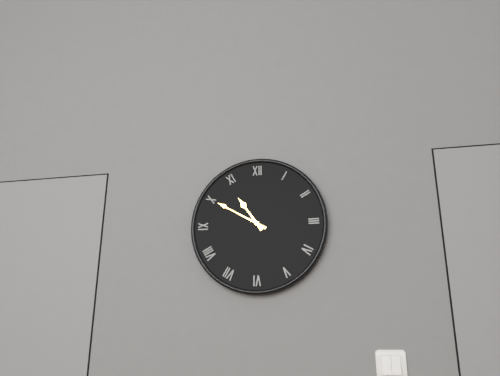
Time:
h=10 m=50
